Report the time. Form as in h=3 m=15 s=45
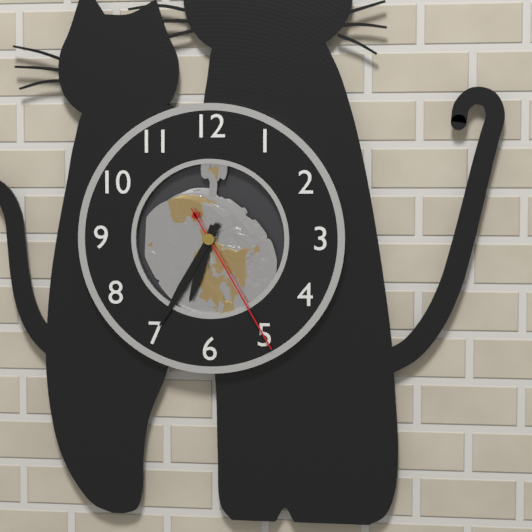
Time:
h=6 m=35 s=25
